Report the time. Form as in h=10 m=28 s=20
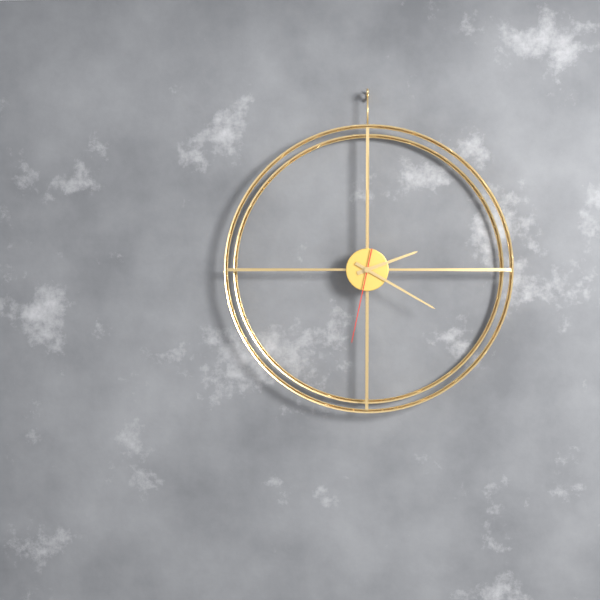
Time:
h=2 m=20 s=32
